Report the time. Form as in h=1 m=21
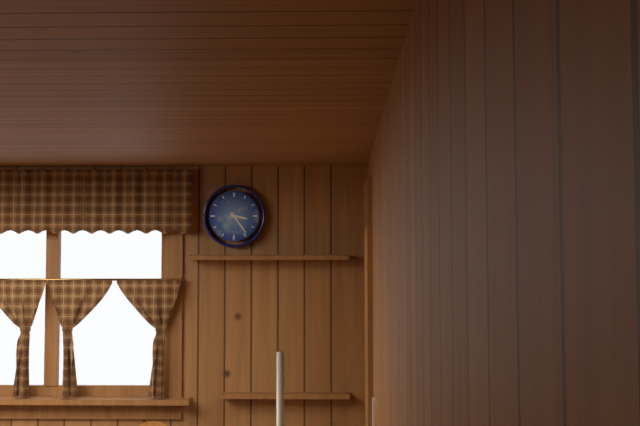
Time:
h=3 m=24
